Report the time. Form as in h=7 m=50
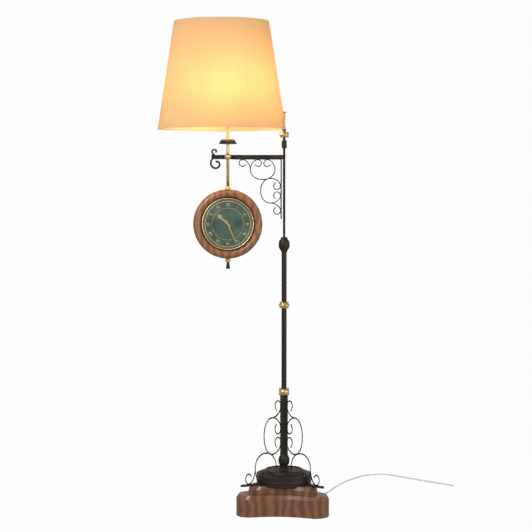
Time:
h=10 m=26
